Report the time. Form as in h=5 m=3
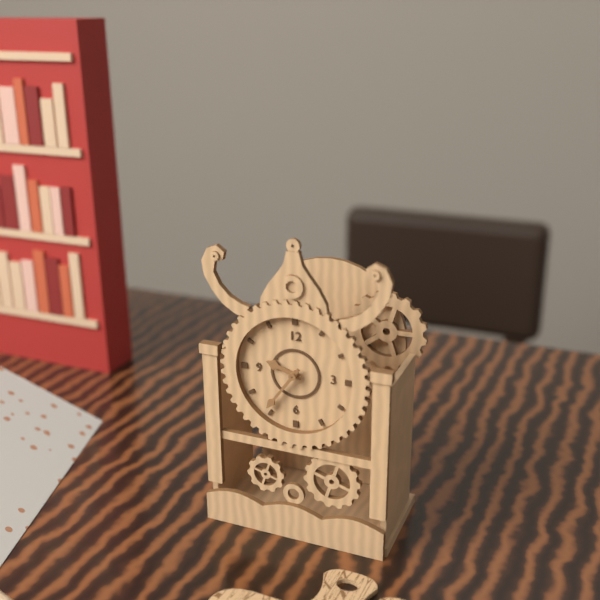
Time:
h=9 m=36
